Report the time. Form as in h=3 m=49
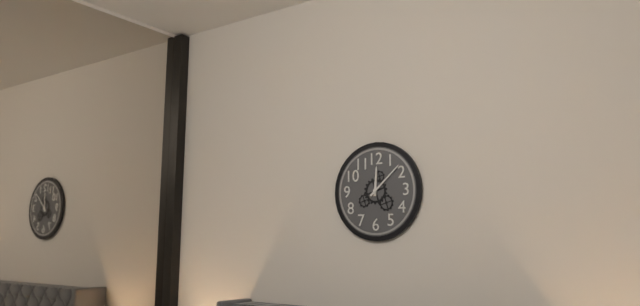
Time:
h=12 m=8
